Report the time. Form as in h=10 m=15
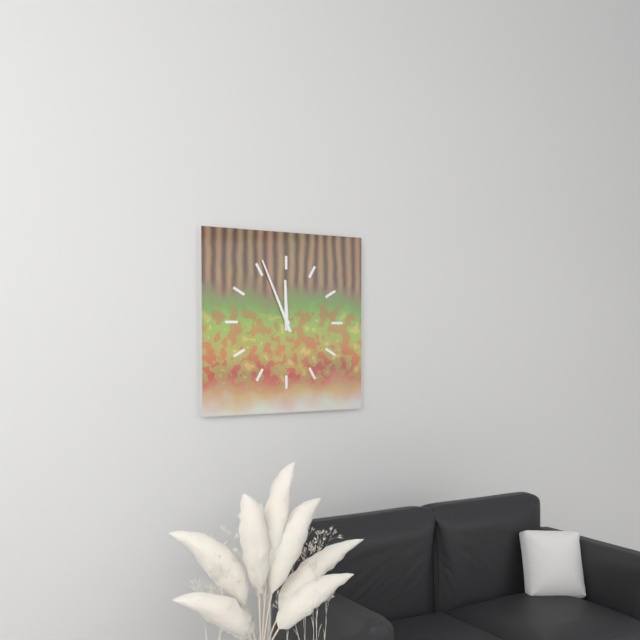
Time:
h=11 m=56
